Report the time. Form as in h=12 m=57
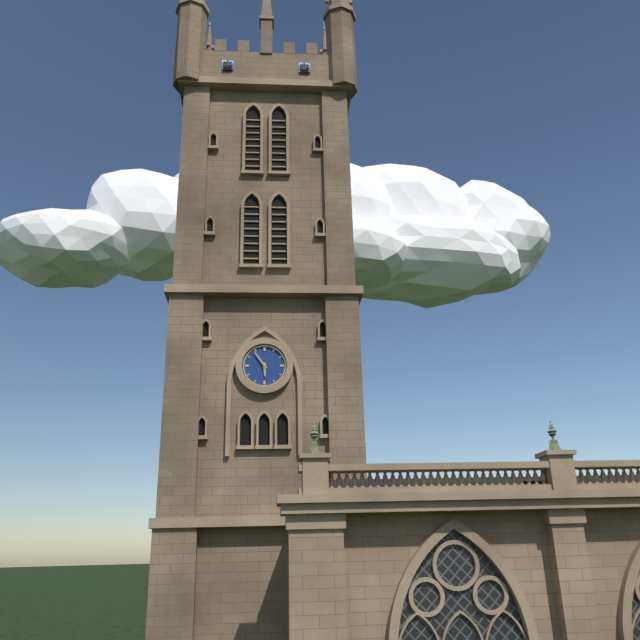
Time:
h=5 m=54
